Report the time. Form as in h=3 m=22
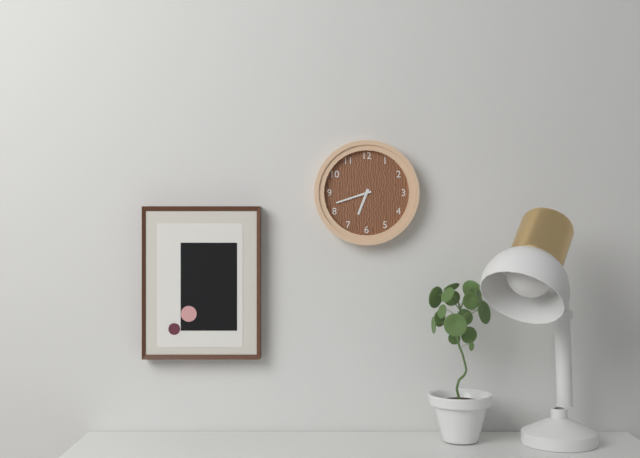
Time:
h=6 m=42
